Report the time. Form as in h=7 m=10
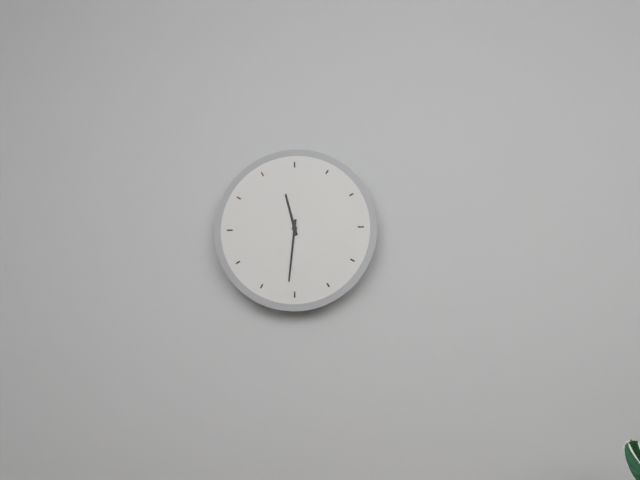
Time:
h=11 m=31
